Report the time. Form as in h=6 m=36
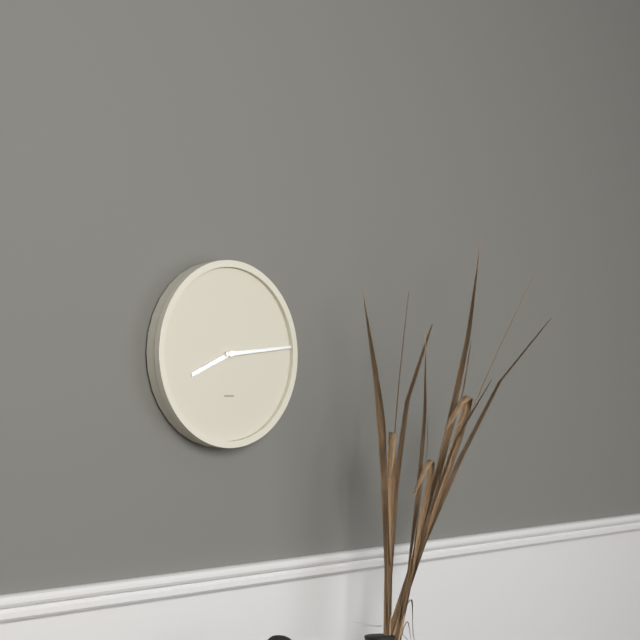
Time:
h=8 m=14
